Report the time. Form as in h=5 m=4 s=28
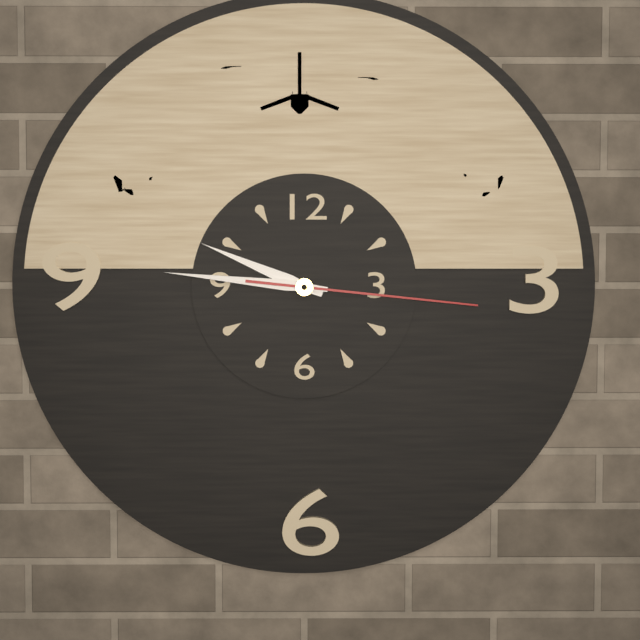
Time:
h=9 m=46 s=16
